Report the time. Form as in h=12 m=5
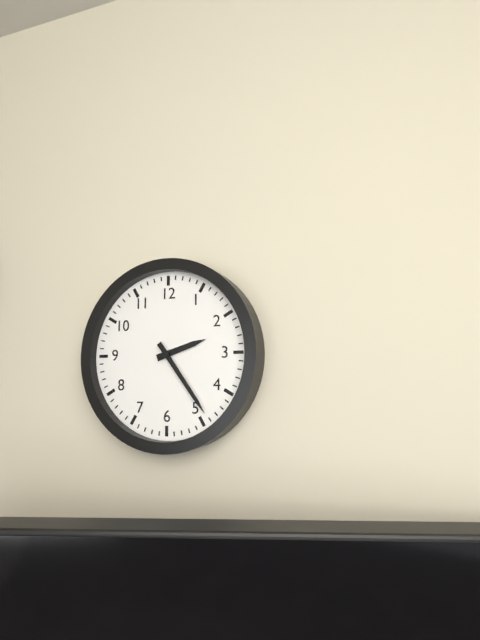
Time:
h=2 m=24
